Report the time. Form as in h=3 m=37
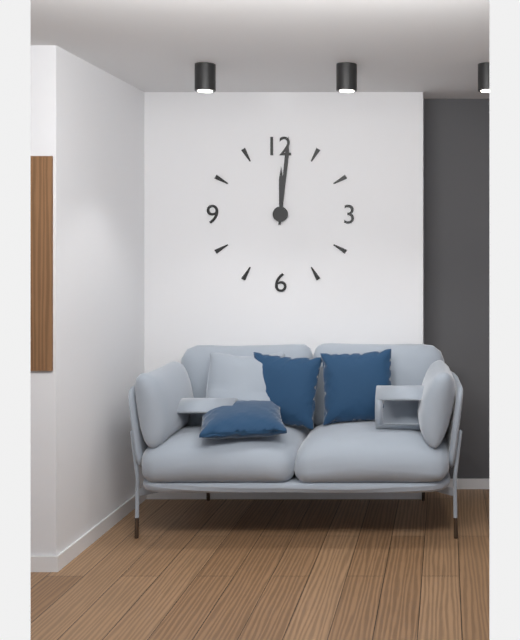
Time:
h=12 m=1
